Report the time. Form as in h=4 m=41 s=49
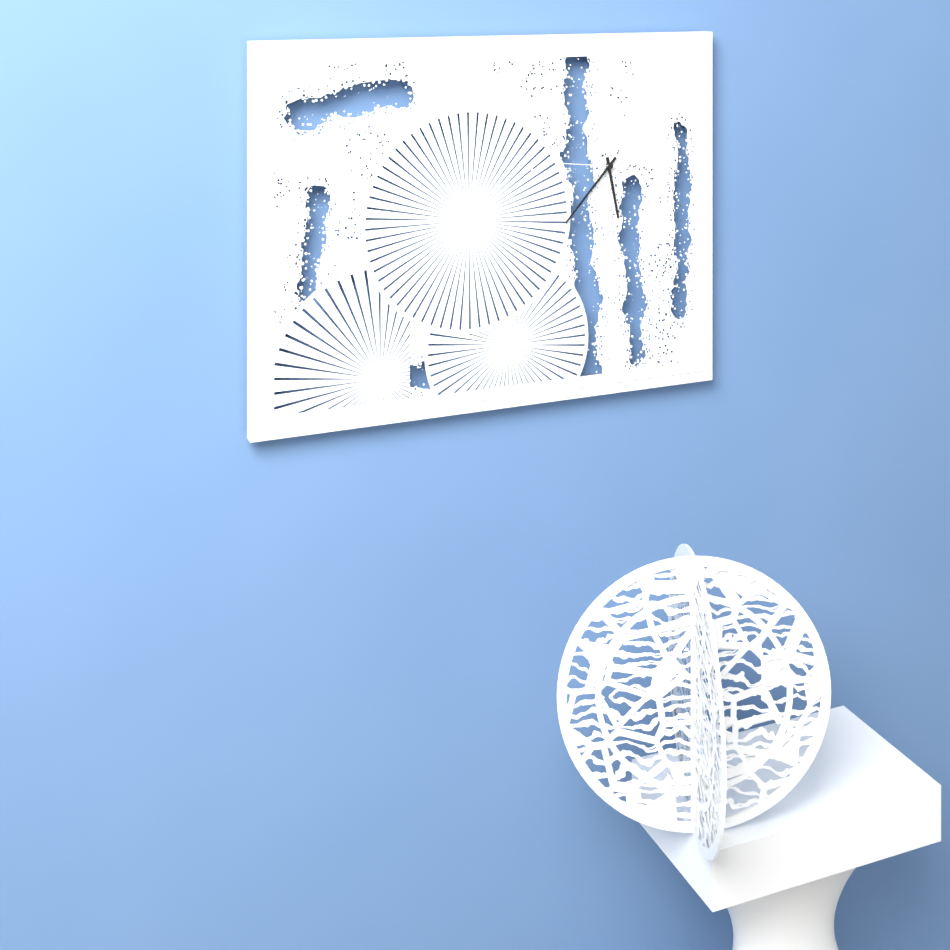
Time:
h=5 m=37 s=46
